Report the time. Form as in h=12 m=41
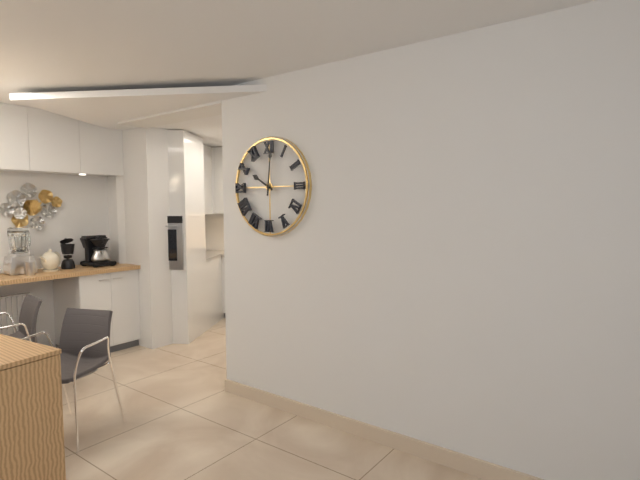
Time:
h=10 m=1
